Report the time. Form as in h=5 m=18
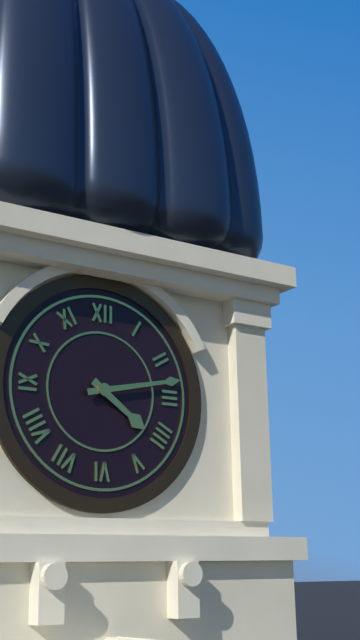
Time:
h=4 m=13
